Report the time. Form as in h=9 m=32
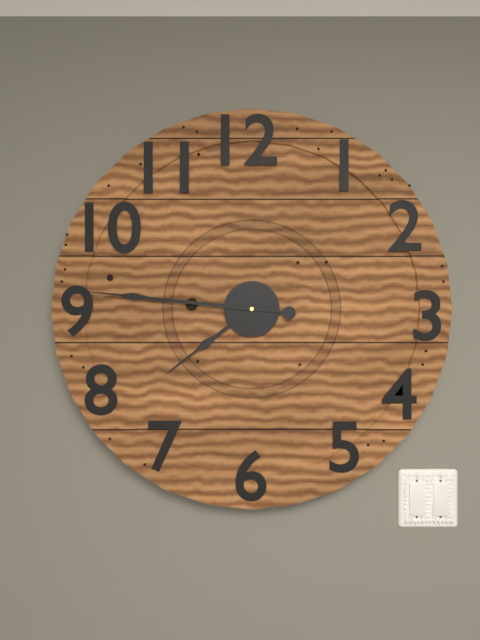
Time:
h=7 m=46
